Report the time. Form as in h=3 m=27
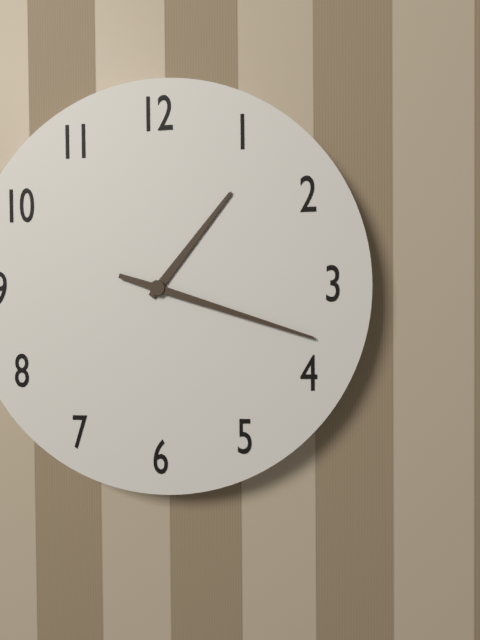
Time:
h=1 m=18
